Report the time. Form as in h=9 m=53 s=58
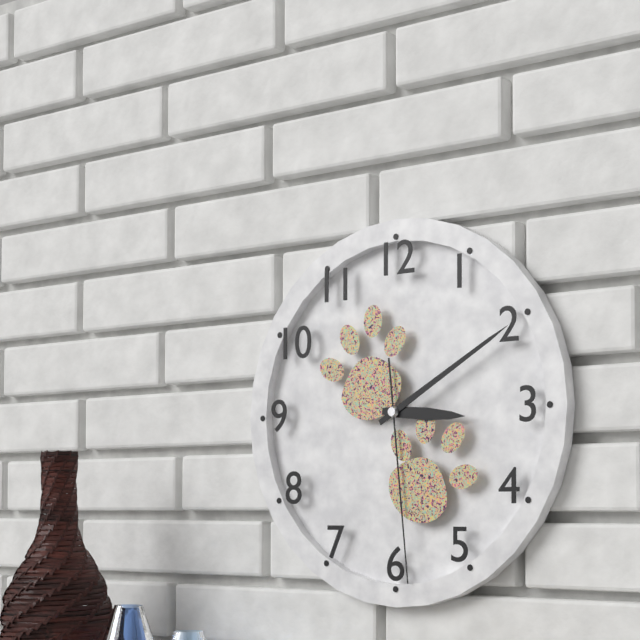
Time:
h=3 m=10 s=29
